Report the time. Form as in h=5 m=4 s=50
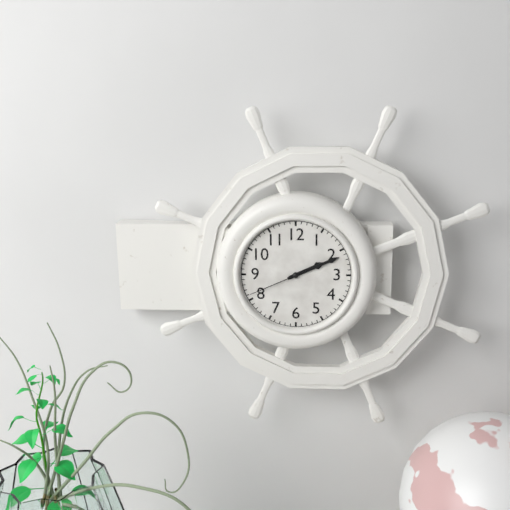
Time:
h=2 m=11 s=41
